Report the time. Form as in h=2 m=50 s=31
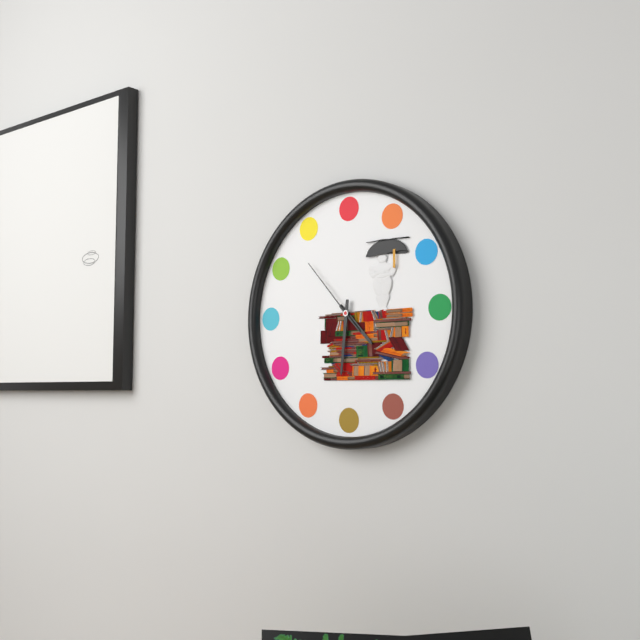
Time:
h=4 m=31 s=53
